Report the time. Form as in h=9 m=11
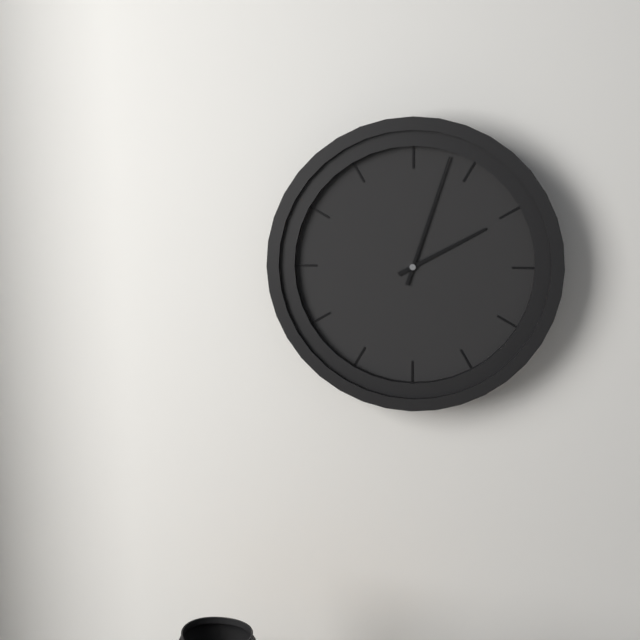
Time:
h=2 m=3
